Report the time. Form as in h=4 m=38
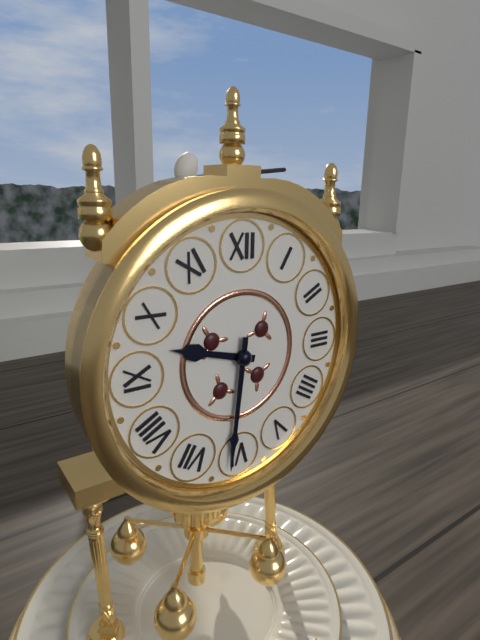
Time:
h=9 m=31
